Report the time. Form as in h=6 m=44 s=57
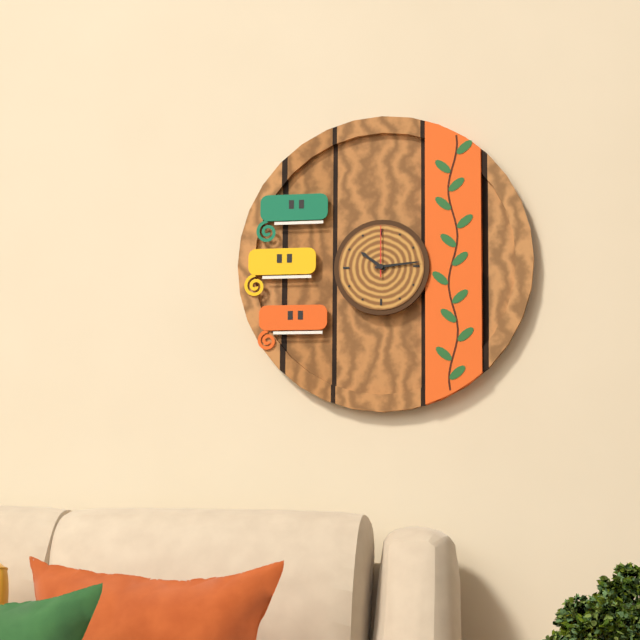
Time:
h=10 m=14 s=0
